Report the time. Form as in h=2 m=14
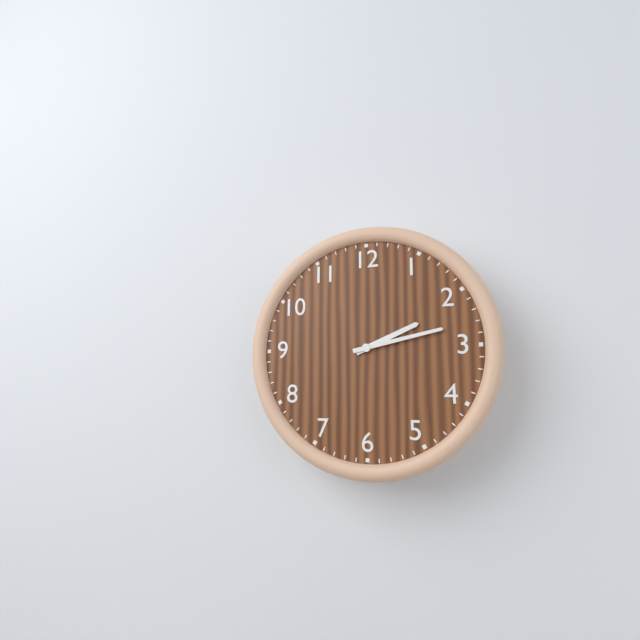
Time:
h=2 m=13
